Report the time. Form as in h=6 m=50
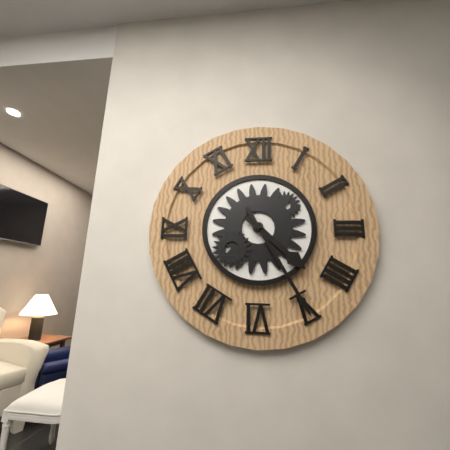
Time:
h=4 m=25
